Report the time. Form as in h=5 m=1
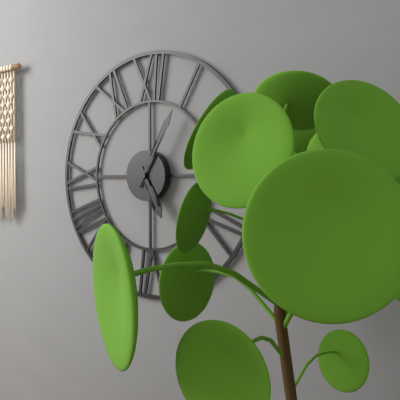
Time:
h=5 m=5
